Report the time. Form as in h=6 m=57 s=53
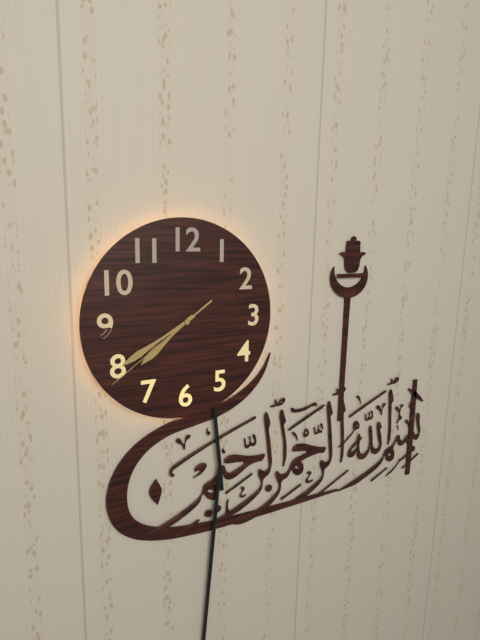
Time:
h=7 m=40 s=39
